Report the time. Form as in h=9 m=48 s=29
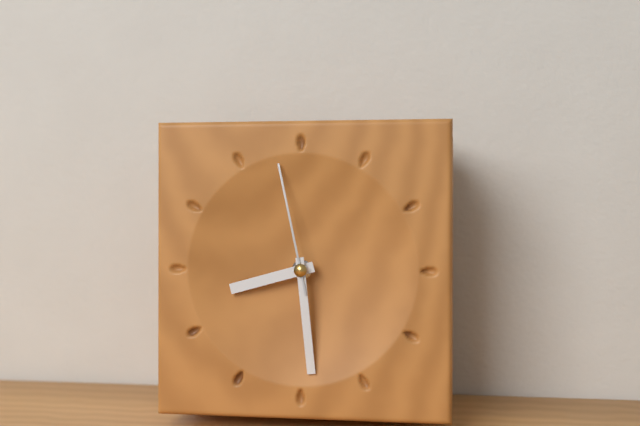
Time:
h=8 m=29 s=58
